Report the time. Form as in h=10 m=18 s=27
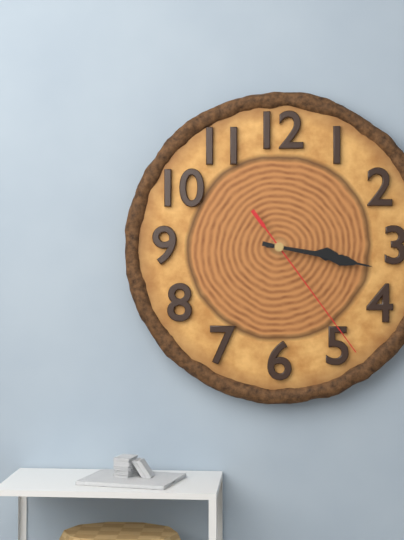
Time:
h=3 m=17 s=24
